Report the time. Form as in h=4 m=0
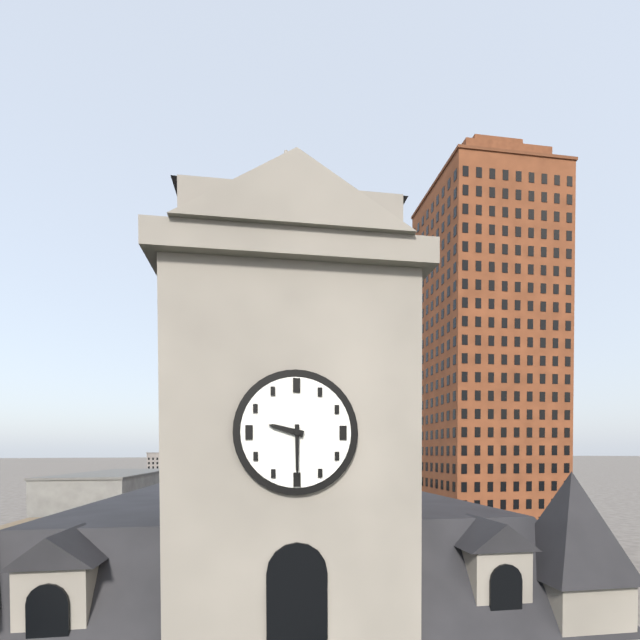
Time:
h=9 m=30
